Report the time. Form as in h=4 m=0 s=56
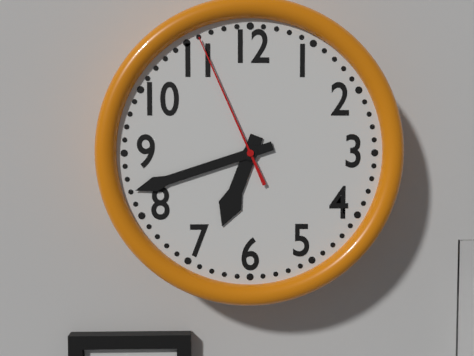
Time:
h=6 m=42 s=56
